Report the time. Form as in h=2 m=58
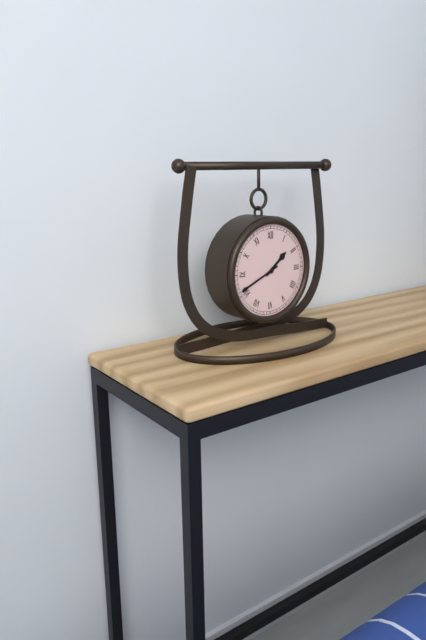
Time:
h=1 m=41
